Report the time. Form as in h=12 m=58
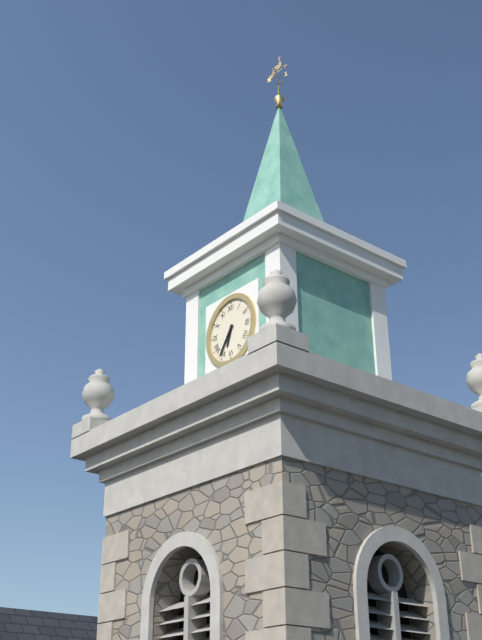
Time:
h=6 m=36
